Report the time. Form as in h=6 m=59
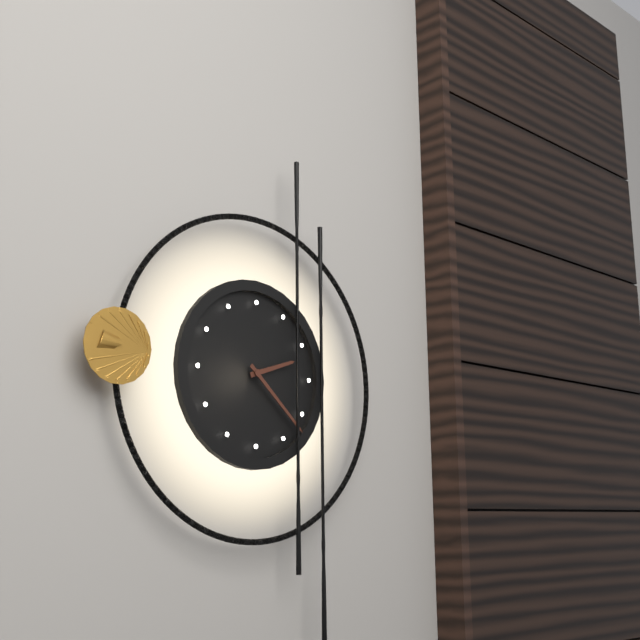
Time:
h=2 m=22
